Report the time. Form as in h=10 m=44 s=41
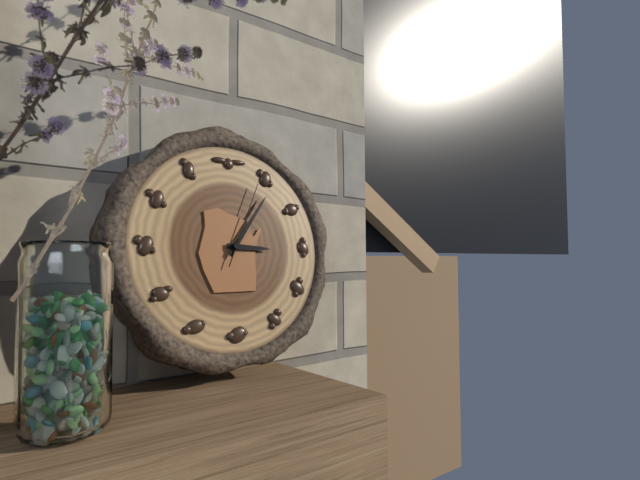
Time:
h=3 m=6 s=4
